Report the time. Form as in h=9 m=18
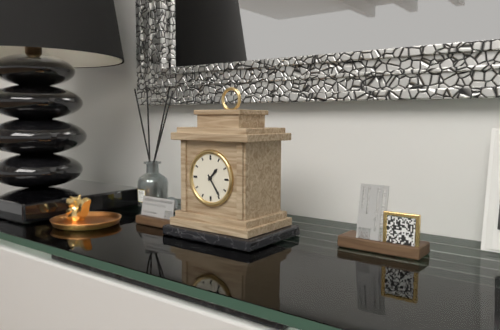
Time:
h=1 m=24
